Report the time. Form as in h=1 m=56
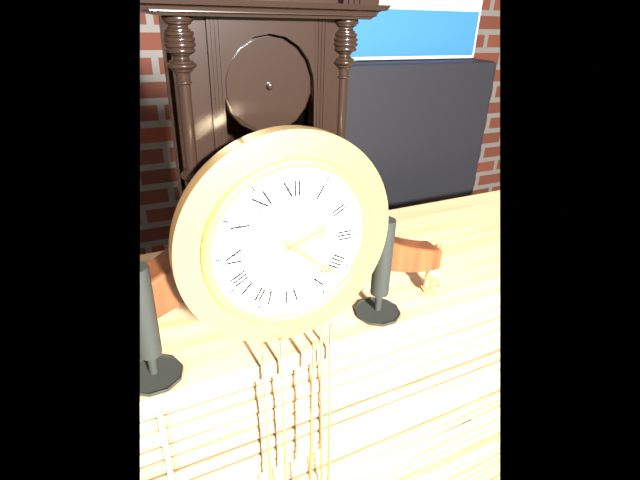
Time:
h=2 m=22
